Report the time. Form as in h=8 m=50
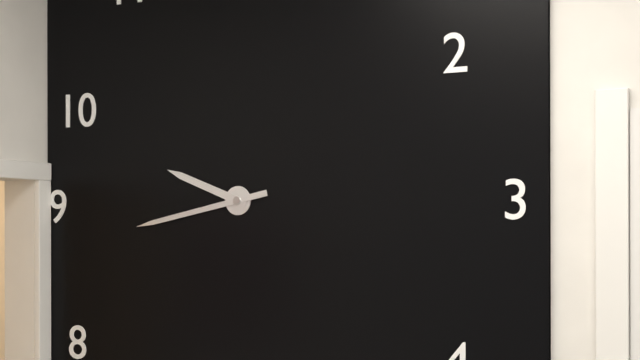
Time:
h=9 m=43
